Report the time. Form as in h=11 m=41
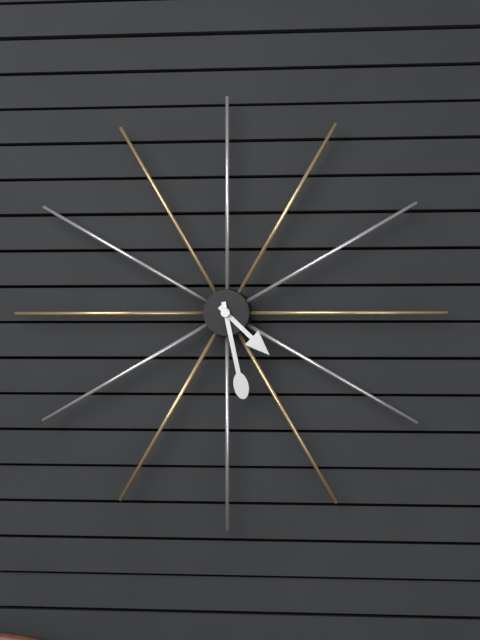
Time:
h=4 m=28
